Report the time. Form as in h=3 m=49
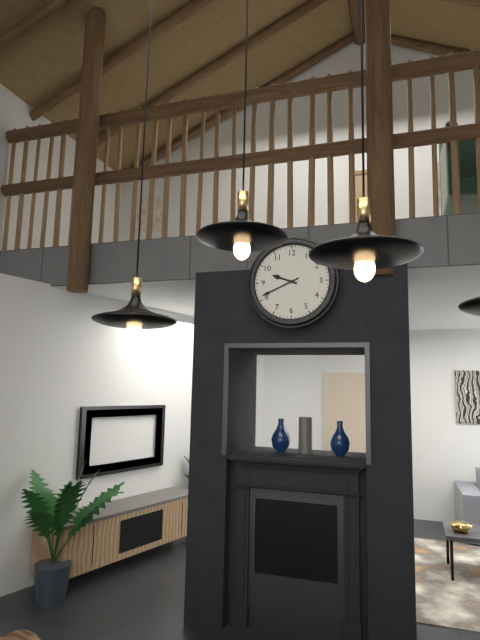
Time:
h=9 m=41
